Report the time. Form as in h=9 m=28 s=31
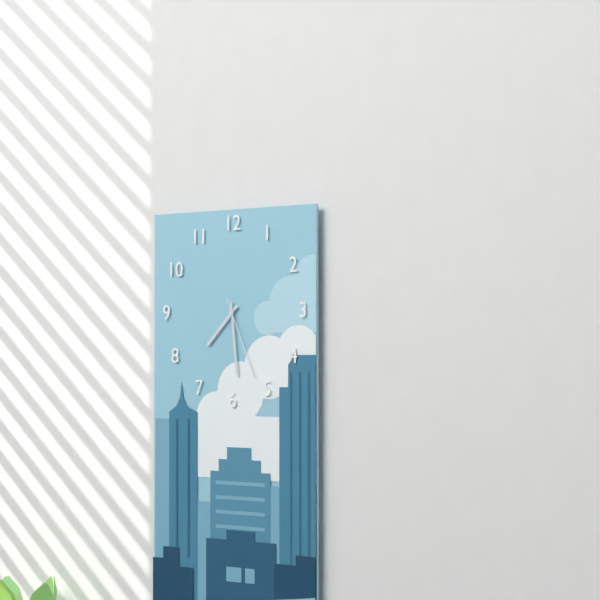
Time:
h=7 m=29 s=26
